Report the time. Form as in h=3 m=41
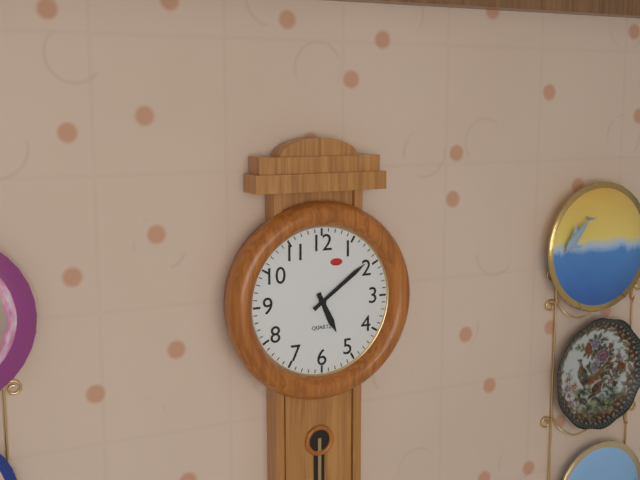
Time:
h=5 m=9
